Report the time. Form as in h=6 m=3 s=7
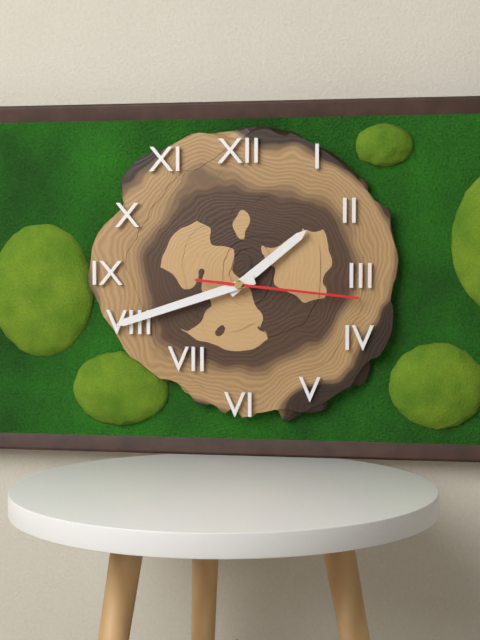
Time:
h=1 m=42 s=16
